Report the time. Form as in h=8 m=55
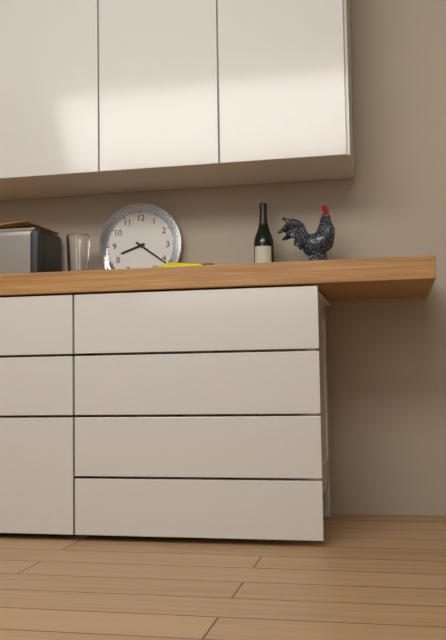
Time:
h=8 m=21
